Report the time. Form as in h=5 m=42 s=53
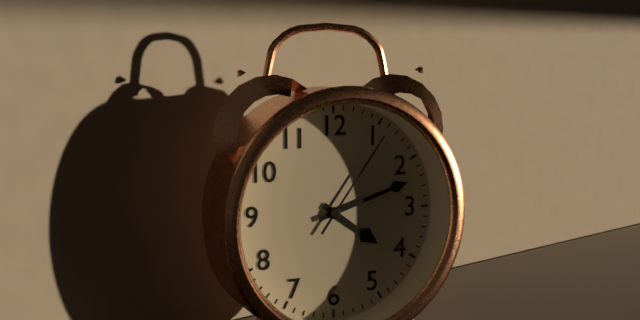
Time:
h=4 m=12 s=6
